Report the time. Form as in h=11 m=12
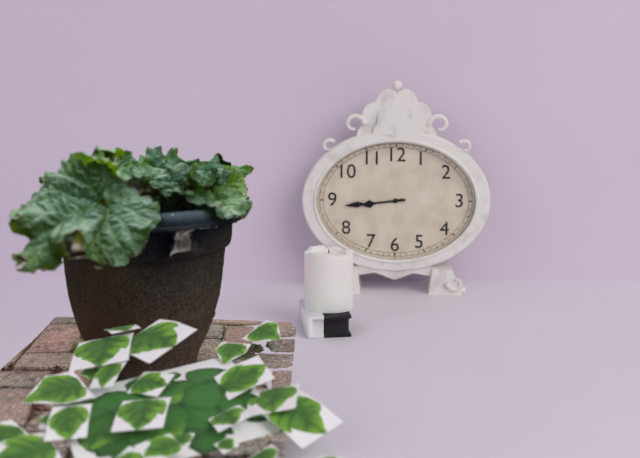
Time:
h=8 m=44
